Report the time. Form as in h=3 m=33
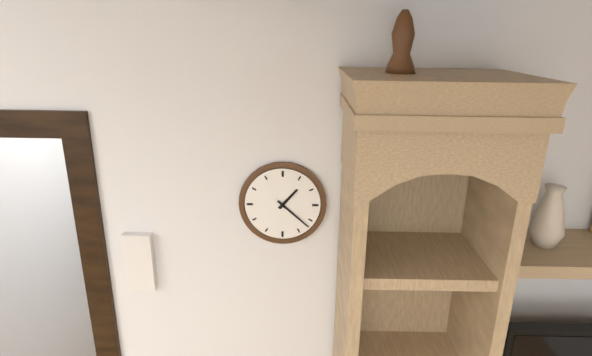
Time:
h=1 m=22
